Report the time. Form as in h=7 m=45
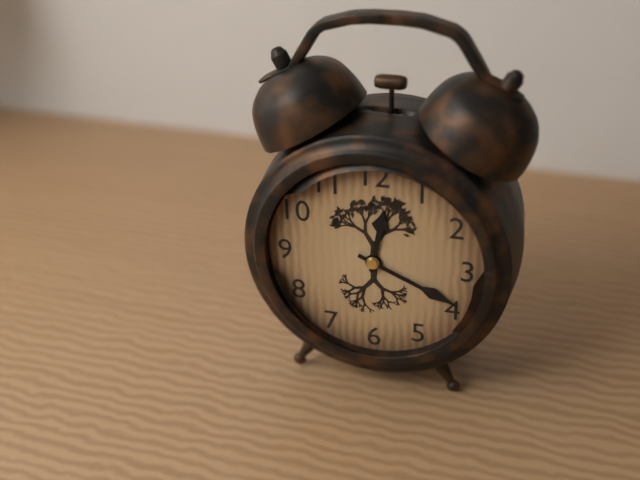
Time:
h=12 m=19
